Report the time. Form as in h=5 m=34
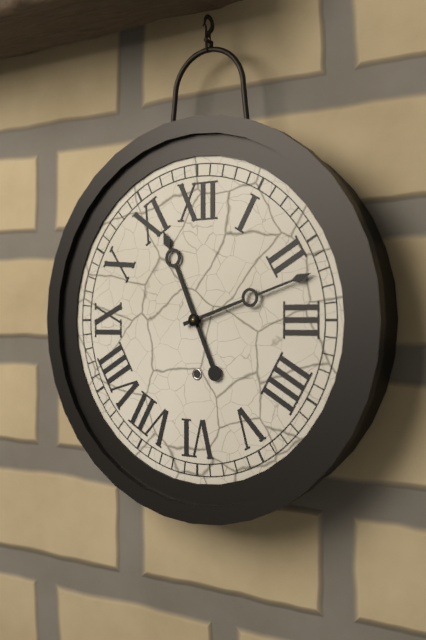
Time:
h=11 m=12
